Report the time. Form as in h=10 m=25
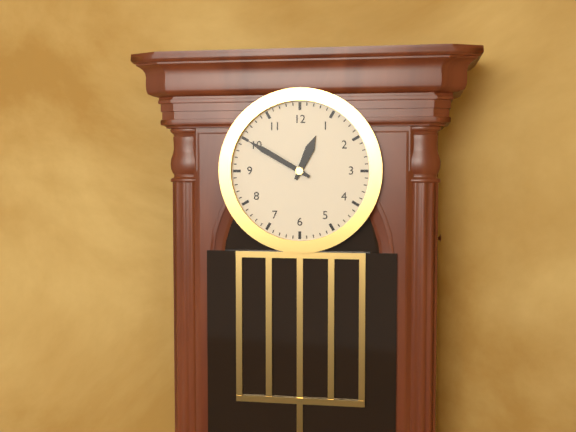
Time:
h=12 m=50
